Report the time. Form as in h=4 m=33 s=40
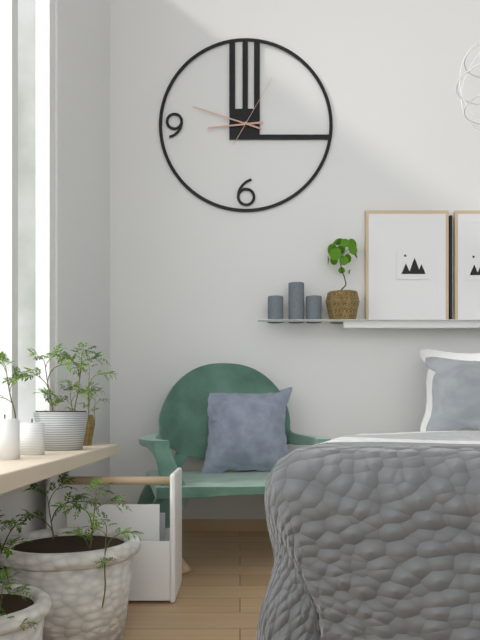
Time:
h=8 m=48 s=5
